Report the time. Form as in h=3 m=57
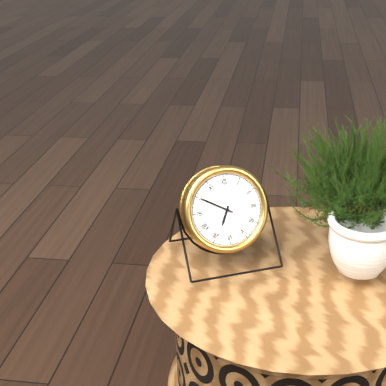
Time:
h=6 m=50
